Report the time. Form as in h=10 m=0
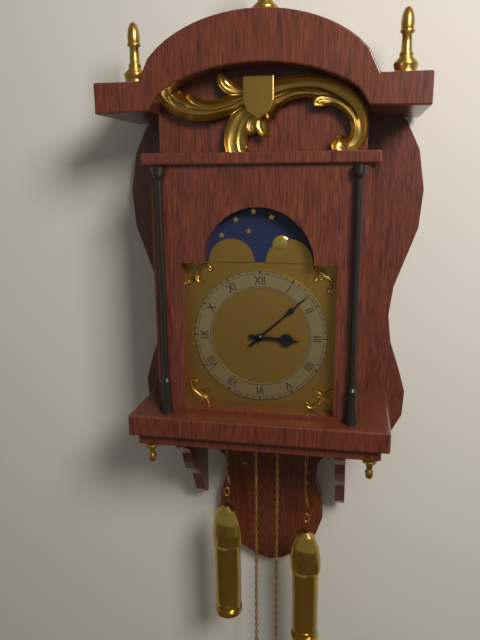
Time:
h=3 m=8
